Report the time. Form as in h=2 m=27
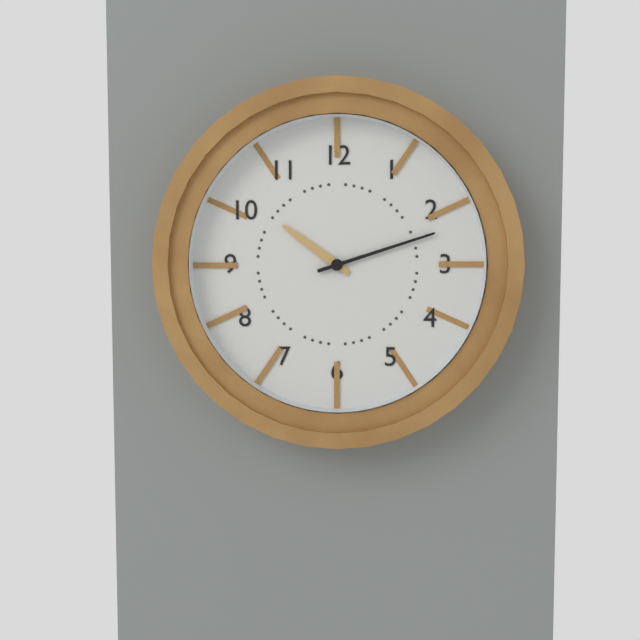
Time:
h=10 m=12
